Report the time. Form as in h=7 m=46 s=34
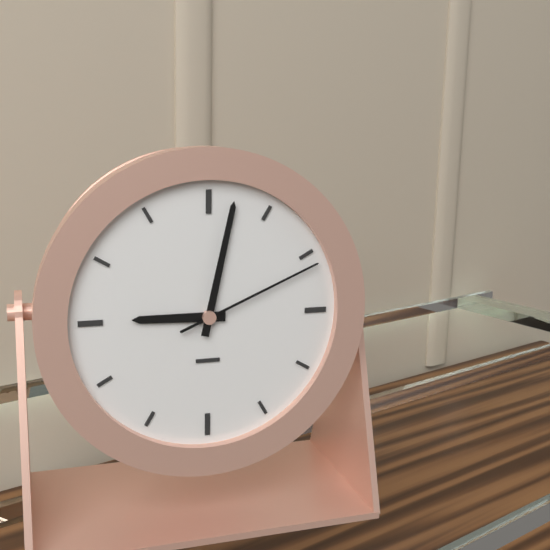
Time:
h=9 m=2 s=11
